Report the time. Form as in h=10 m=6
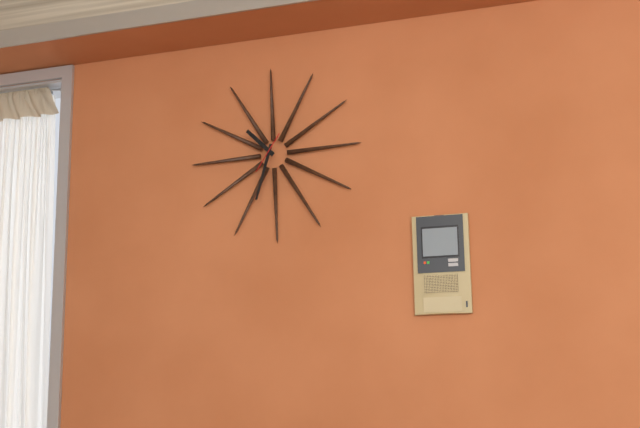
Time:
h=10 m=33
